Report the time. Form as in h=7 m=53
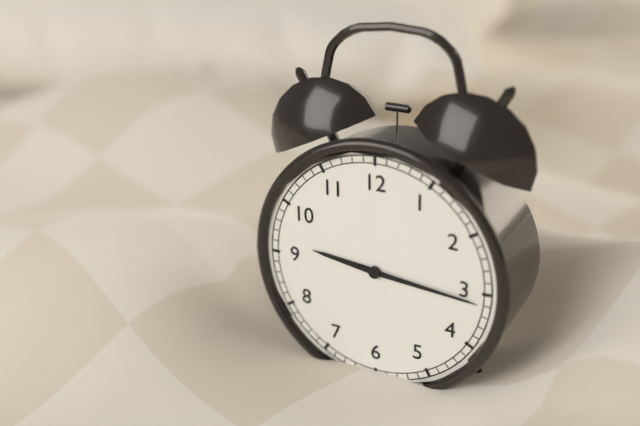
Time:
h=9 m=16
